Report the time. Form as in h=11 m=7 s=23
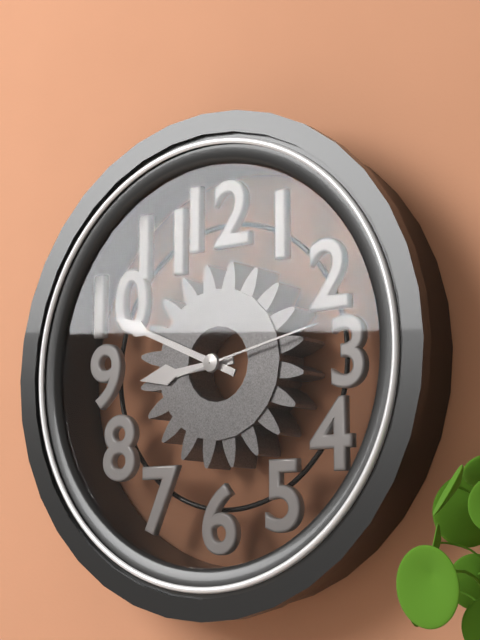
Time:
h=8 m=49 s=13
